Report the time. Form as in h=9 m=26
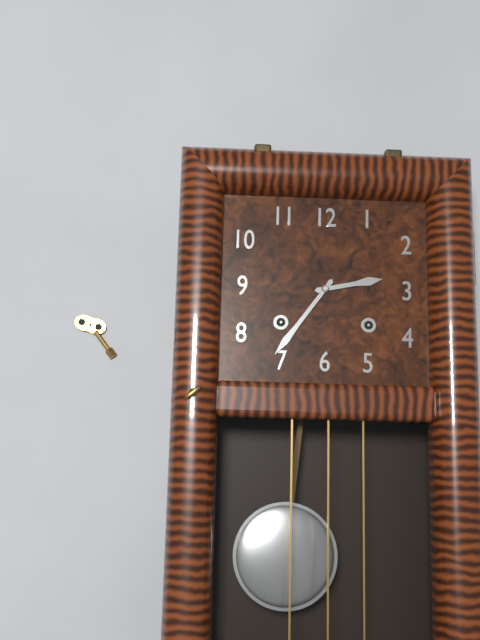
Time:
h=2 m=36
